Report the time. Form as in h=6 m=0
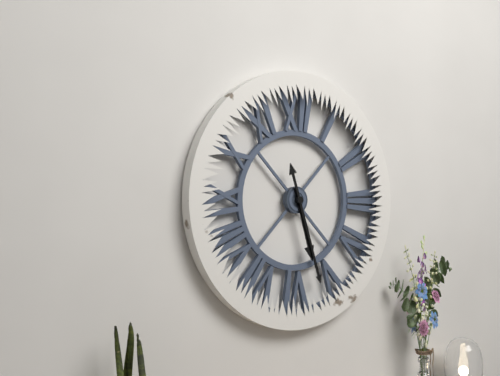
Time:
h=5 m=27
